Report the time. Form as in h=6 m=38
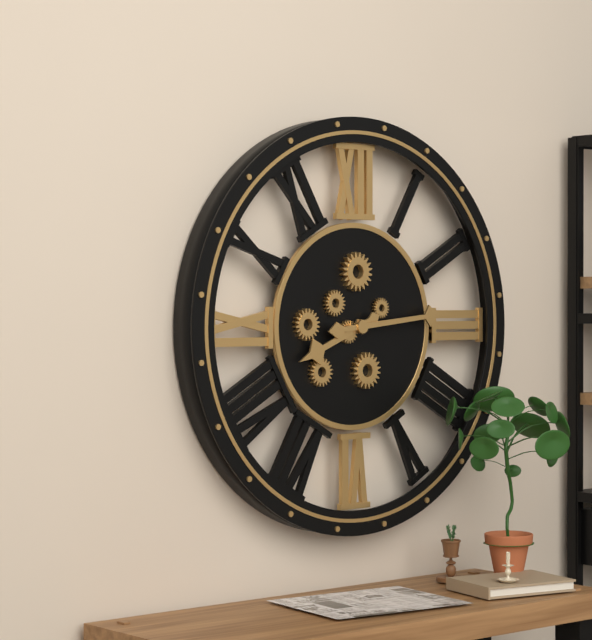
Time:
h=8 m=14
